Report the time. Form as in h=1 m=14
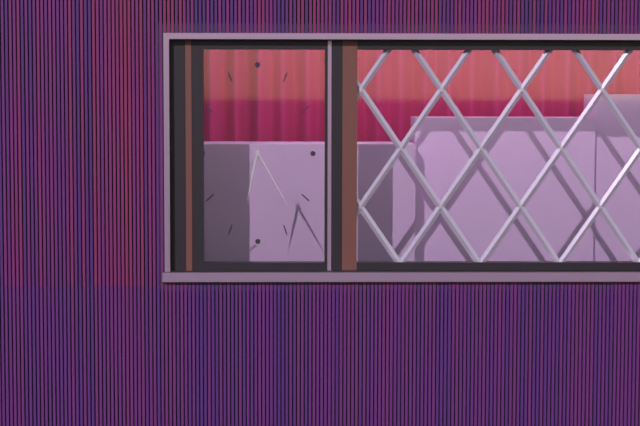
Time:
h=6 m=25
